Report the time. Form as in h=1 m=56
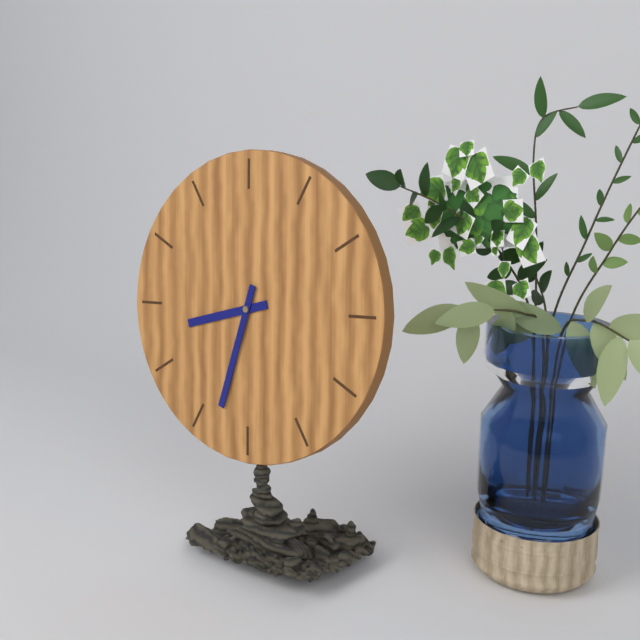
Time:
h=8 m=33
